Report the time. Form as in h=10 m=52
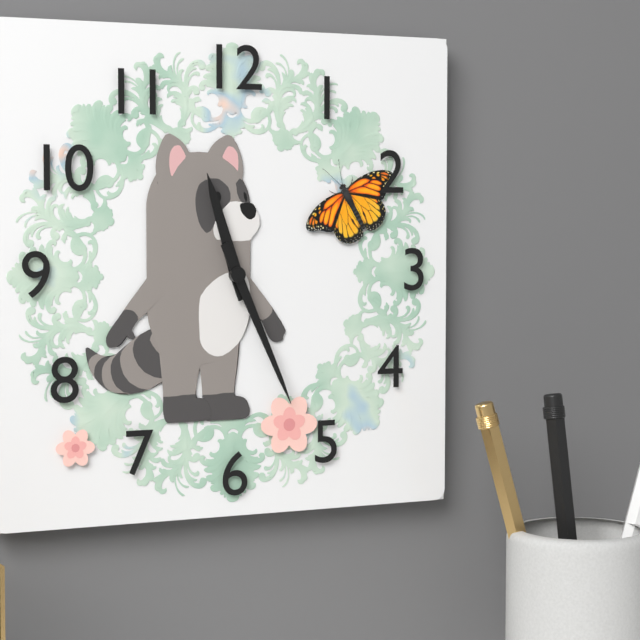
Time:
h=11 m=26
